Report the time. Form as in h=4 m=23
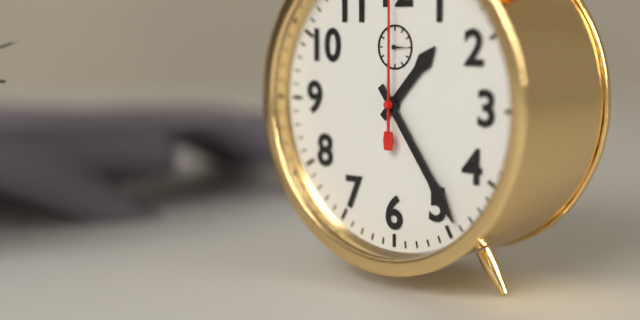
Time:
h=1 m=24
